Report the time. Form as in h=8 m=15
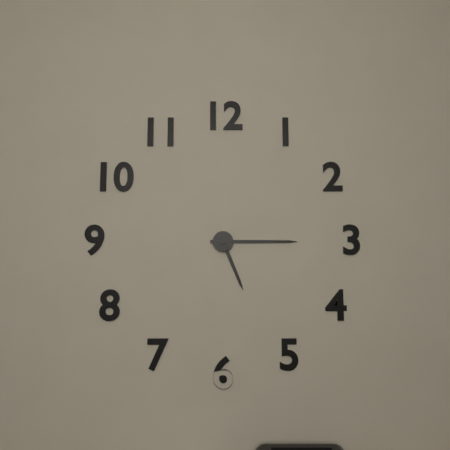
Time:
h=5 m=15
